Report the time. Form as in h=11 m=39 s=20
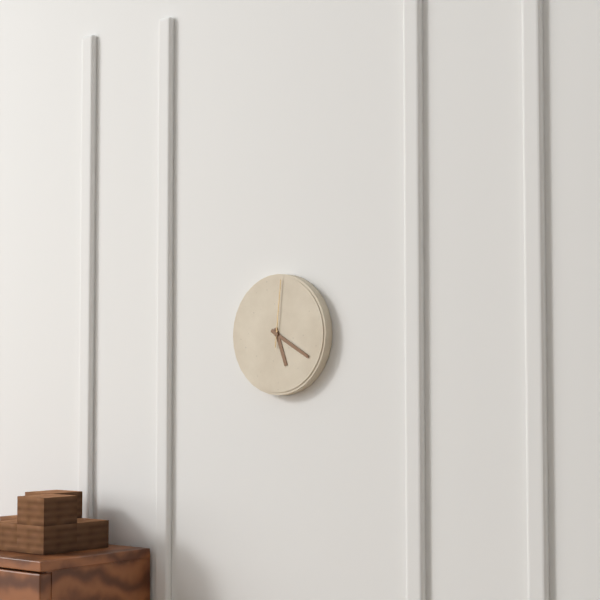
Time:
h=5 m=20 s=1
